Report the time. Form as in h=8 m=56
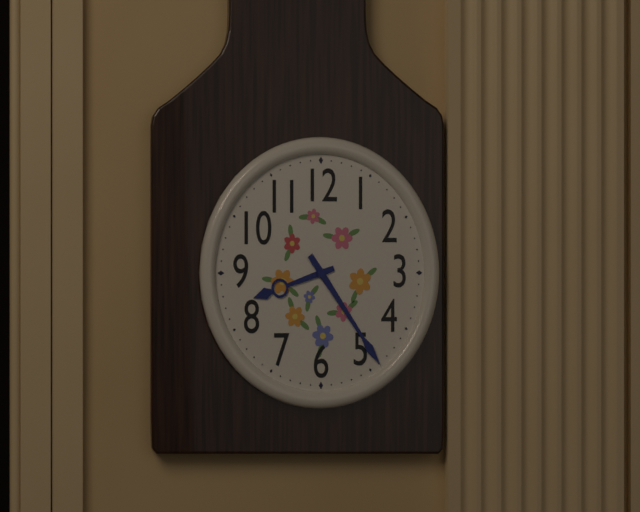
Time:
h=8 m=24
